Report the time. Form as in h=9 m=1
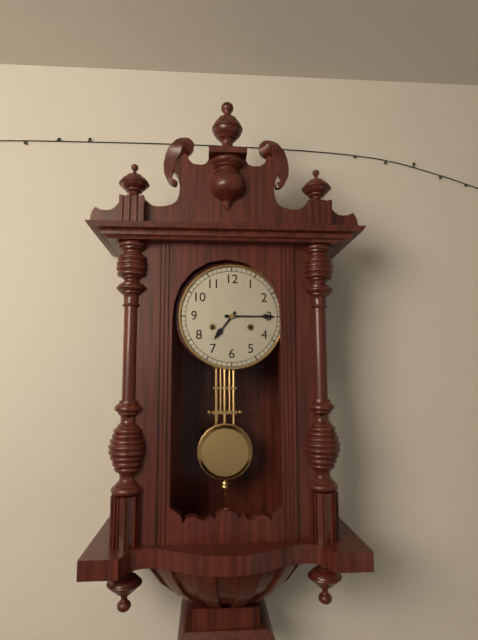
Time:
h=7 m=15
